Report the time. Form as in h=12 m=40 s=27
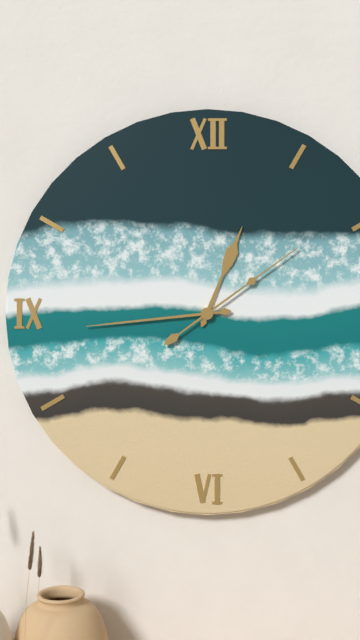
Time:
h=12 m=44 s=9
